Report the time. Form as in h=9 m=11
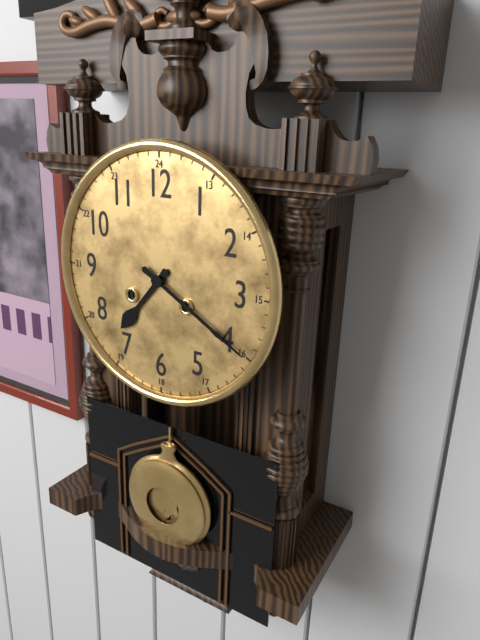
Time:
h=7 m=20
